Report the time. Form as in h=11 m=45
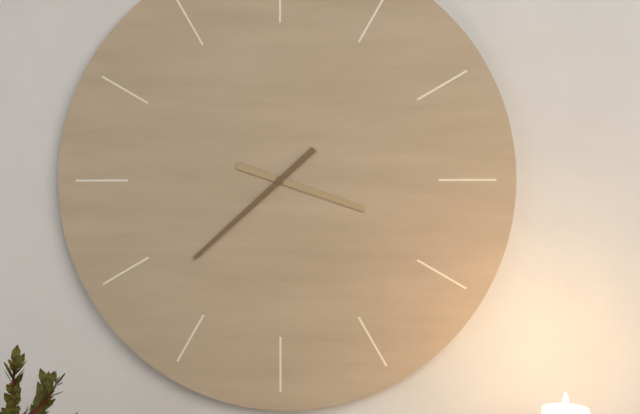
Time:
h=3 m=38
